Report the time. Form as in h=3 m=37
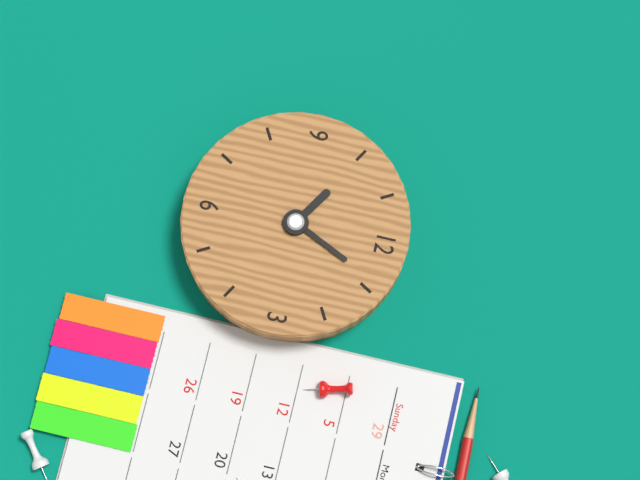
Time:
h=10 m=4
